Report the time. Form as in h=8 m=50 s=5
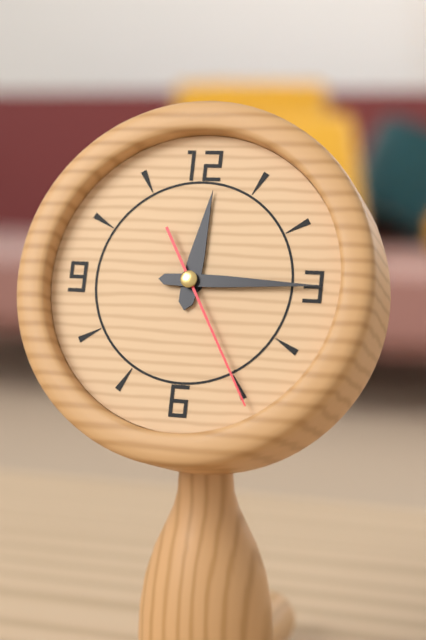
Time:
h=12 m=15 s=25
